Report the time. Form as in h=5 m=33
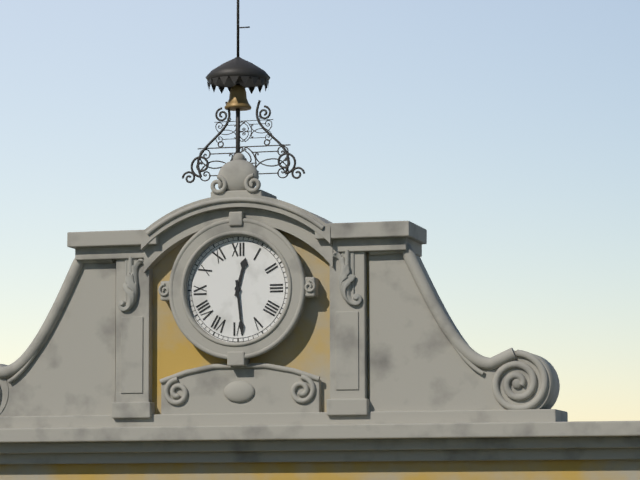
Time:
h=12 m=29
